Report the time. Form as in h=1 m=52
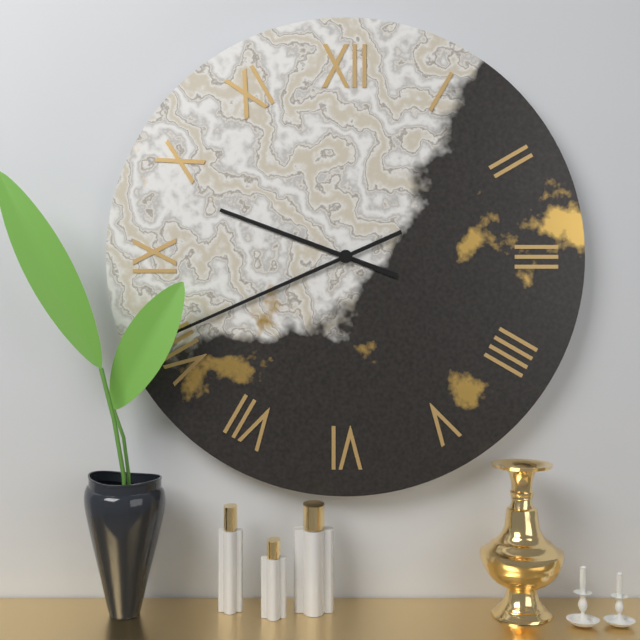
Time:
h=9 m=41
